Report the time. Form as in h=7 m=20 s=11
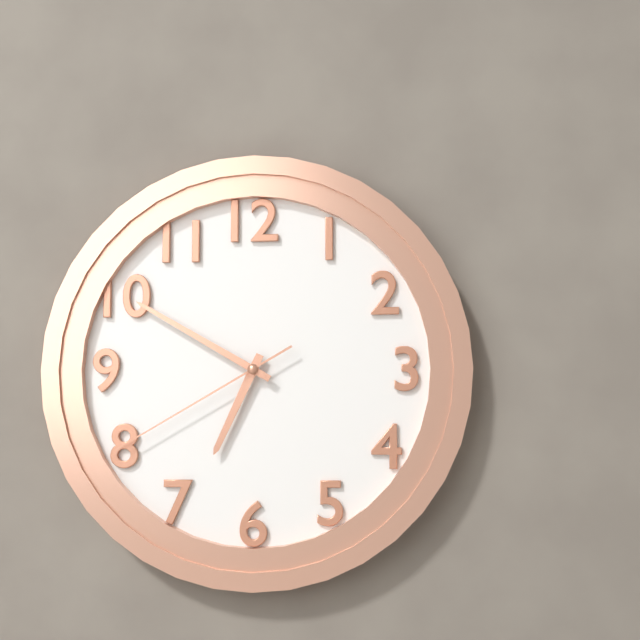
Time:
h=6 m=50 s=40
